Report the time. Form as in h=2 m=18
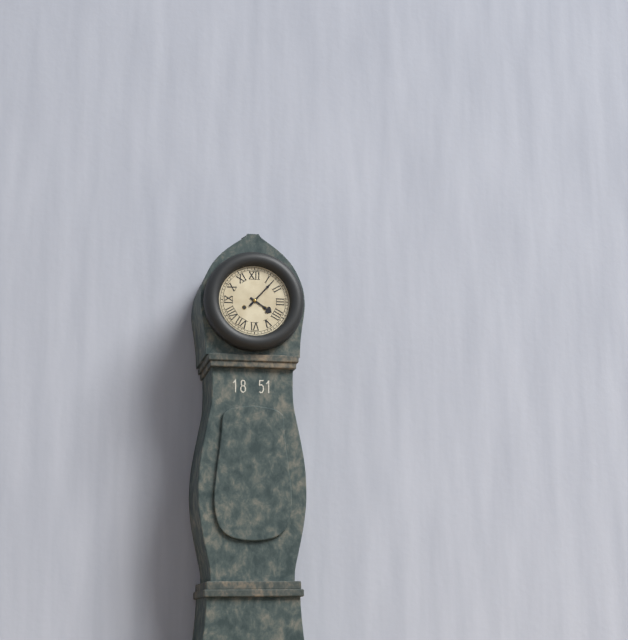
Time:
h=4 m=7
